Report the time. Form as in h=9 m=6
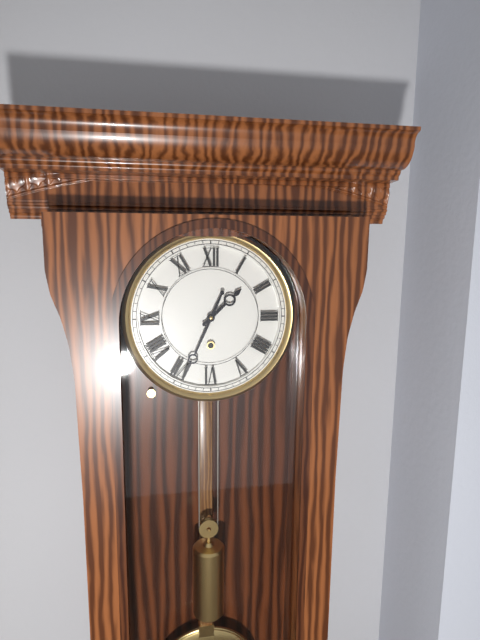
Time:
h=1 m=34
